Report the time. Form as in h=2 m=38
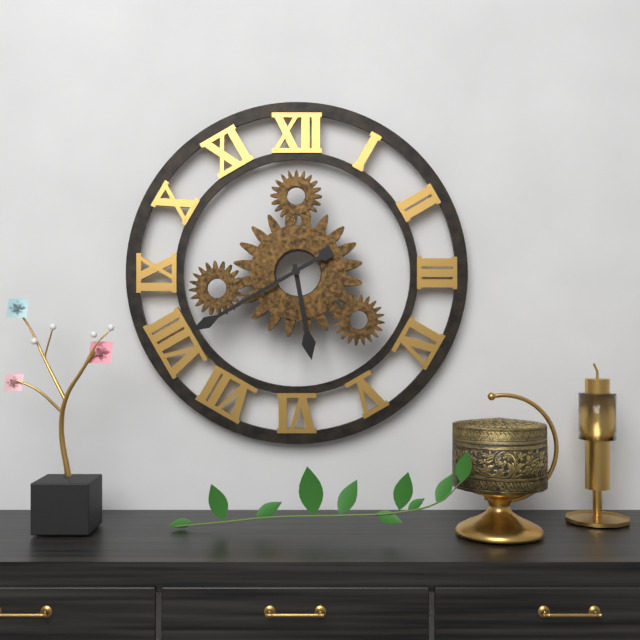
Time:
h=5 m=40
